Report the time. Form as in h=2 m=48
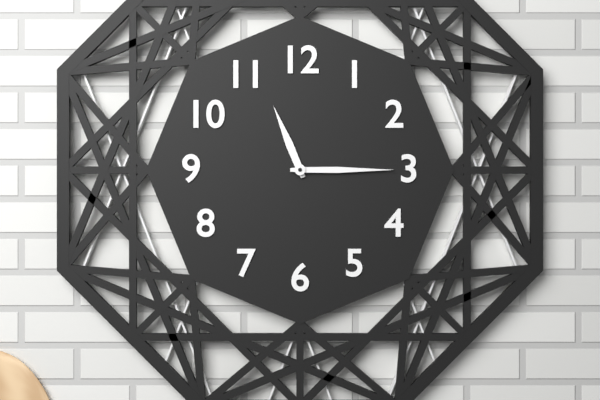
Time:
h=11 m=15
